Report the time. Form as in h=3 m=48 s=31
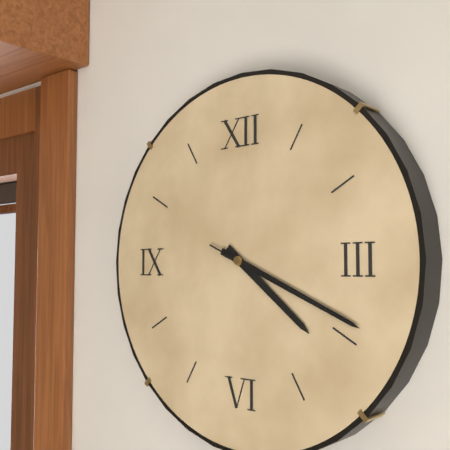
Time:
h=4 m=19 s=19
